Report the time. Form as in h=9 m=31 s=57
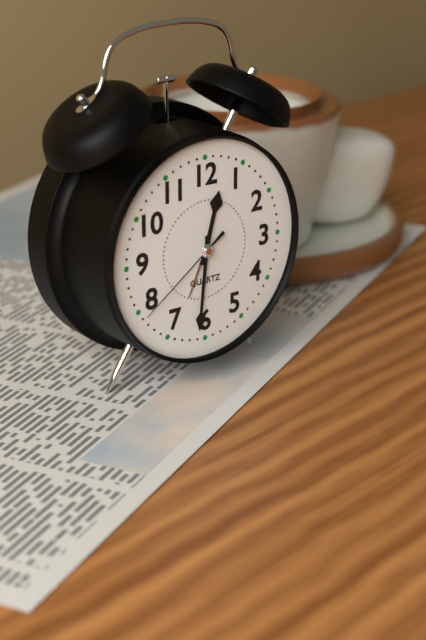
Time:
h=12 m=31 s=39
